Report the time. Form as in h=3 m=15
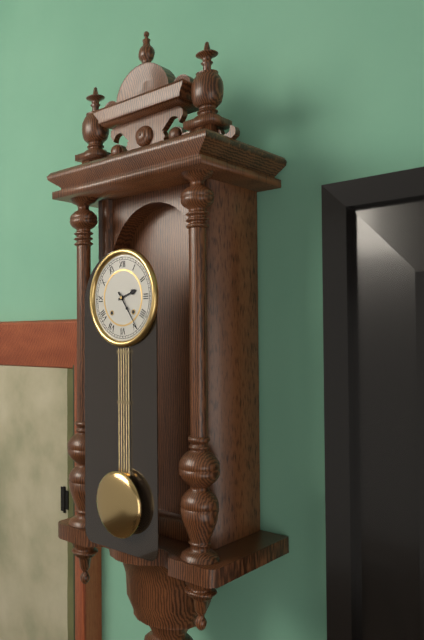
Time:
h=2 m=24
